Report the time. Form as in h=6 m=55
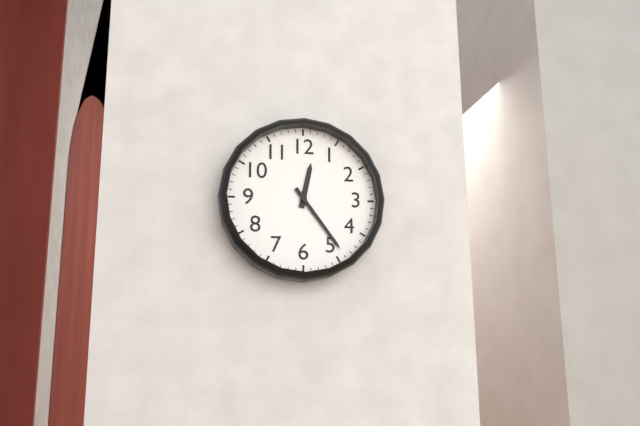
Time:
h=12 m=24
